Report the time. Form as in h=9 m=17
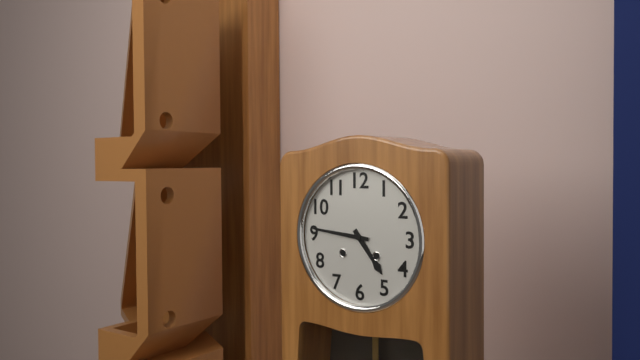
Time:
h=4 m=46
